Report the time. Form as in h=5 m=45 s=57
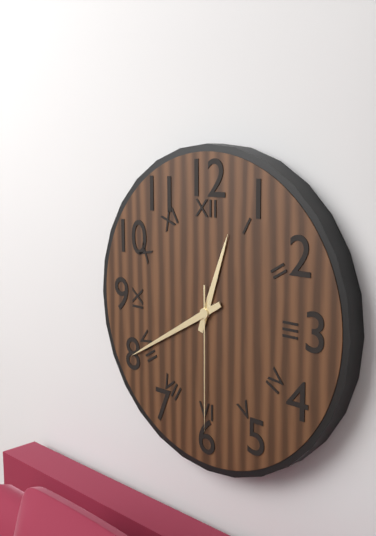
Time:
h=12 m=40 s=30
